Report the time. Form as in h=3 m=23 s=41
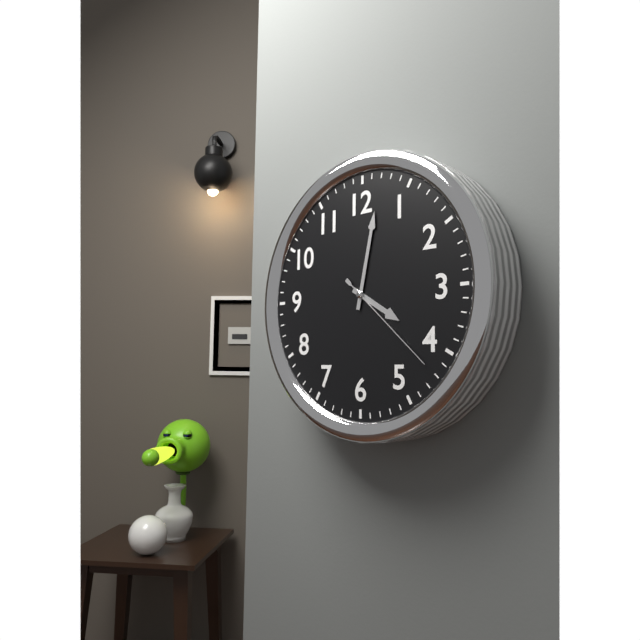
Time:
h=4 m=2 s=22
